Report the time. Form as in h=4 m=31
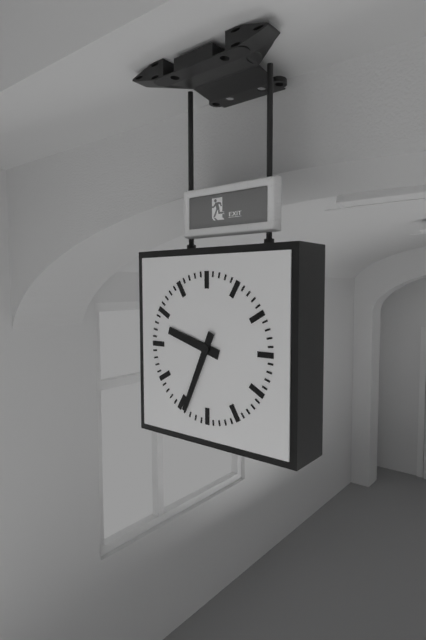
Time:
h=9 m=34
